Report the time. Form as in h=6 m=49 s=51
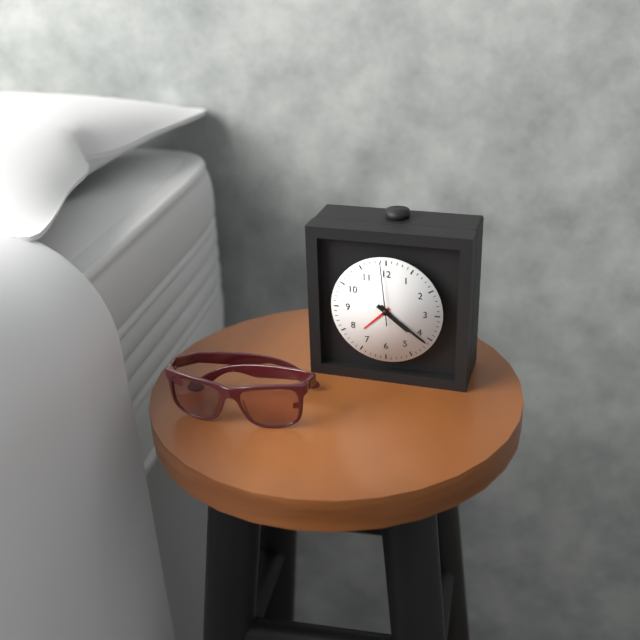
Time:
h=4 m=21 s=59
